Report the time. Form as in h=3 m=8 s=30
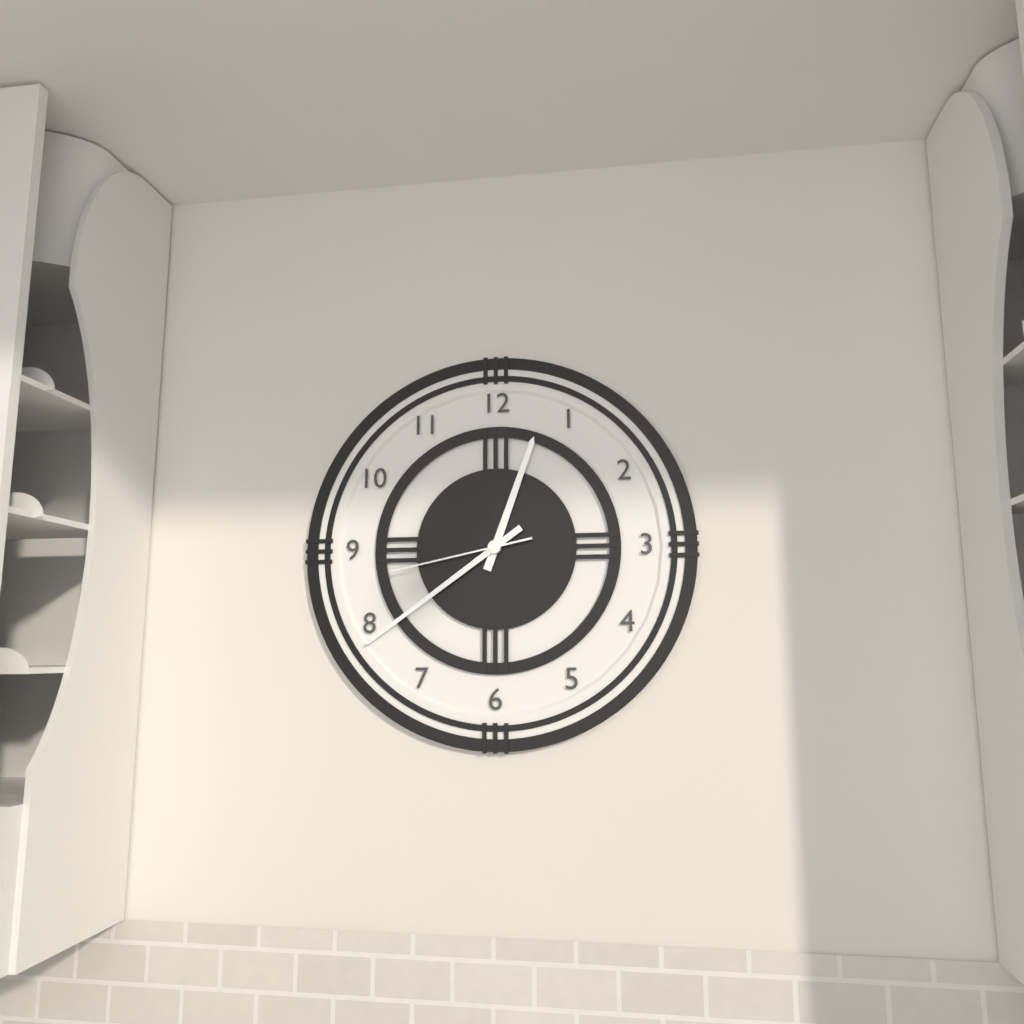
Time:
h=12 m=39 s=43
